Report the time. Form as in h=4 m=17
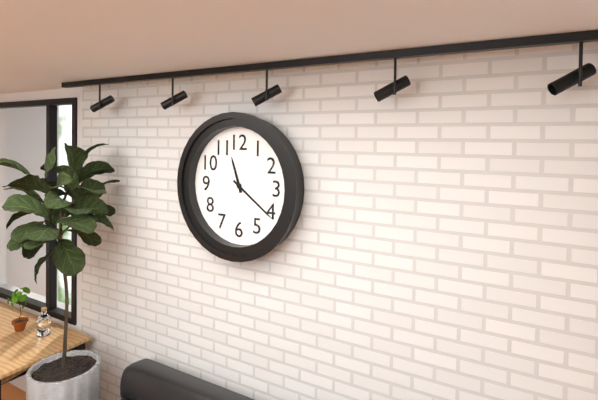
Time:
h=11 m=21
